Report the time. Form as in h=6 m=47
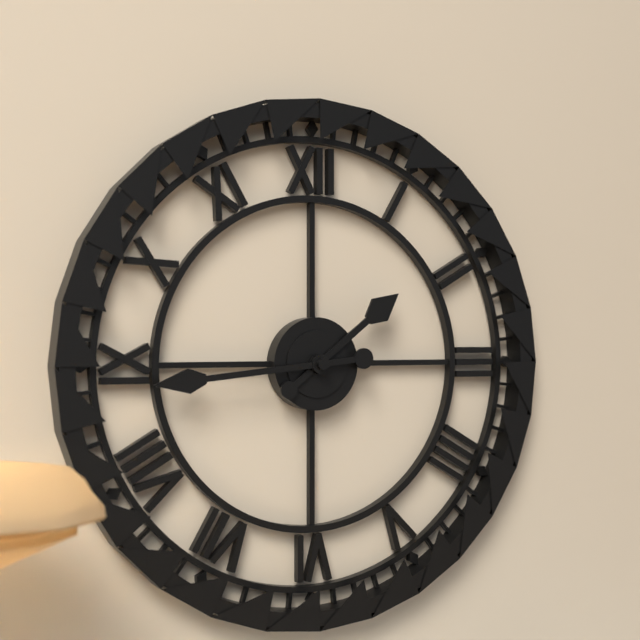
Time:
h=1 m=44
